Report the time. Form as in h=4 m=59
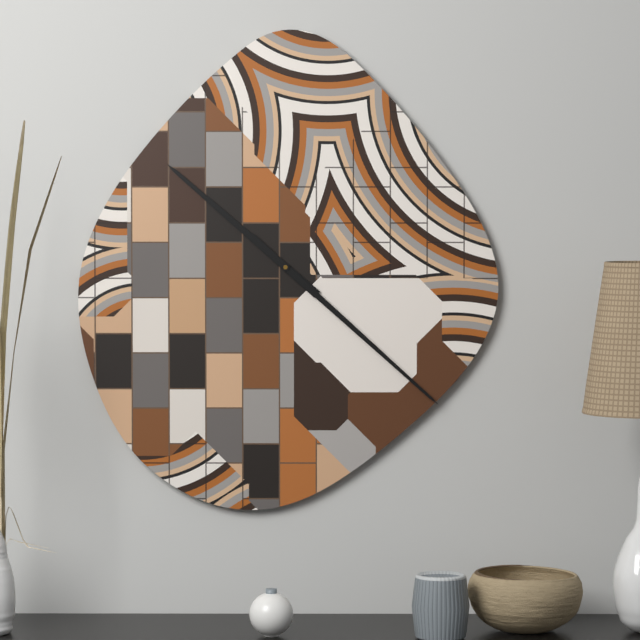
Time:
h=10 m=22
